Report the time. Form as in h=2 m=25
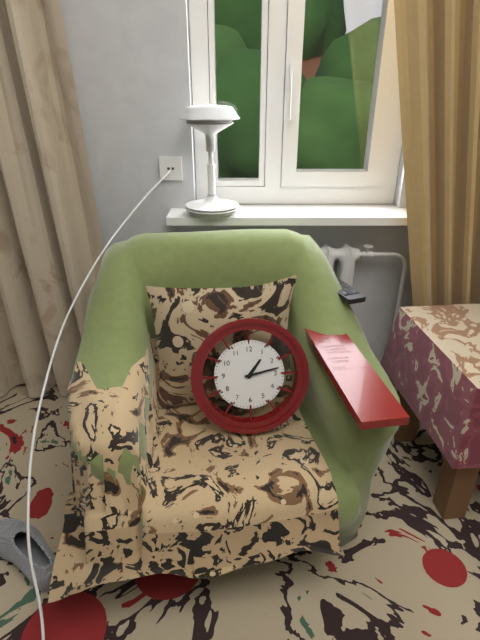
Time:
h=1 m=13
